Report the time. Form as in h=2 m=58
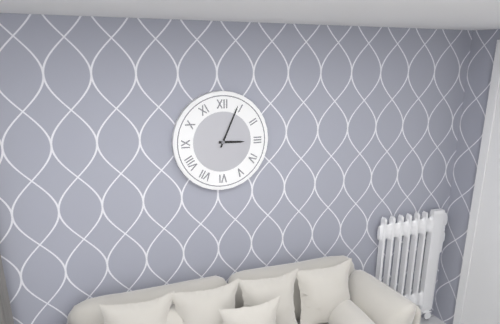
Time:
h=3 m=4
